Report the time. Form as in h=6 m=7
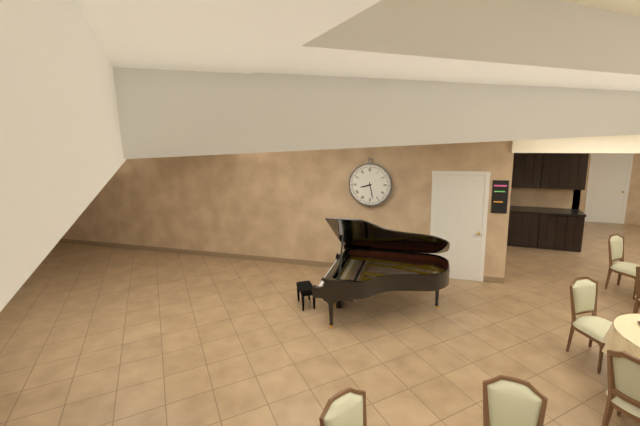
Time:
h=8 m=28
